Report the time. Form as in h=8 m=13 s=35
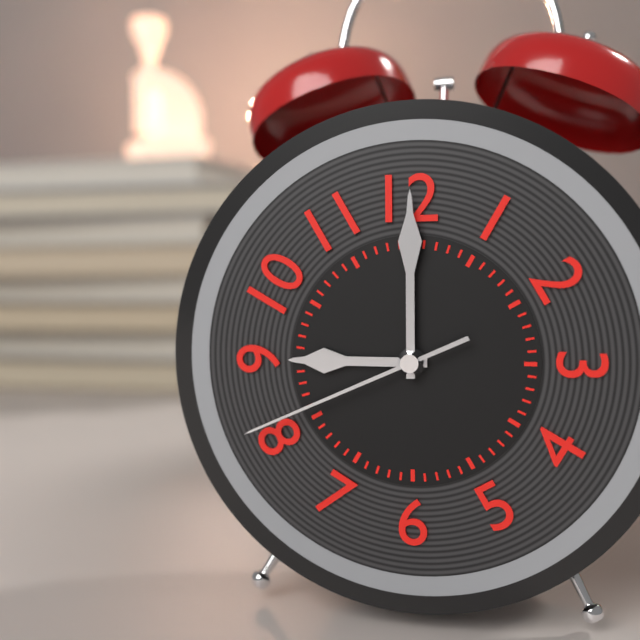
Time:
h=9 m=0 s=41
